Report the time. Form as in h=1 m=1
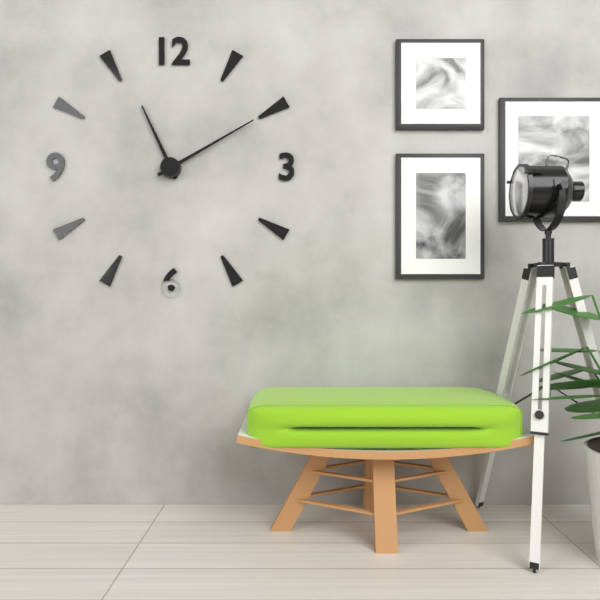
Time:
h=11 m=10
